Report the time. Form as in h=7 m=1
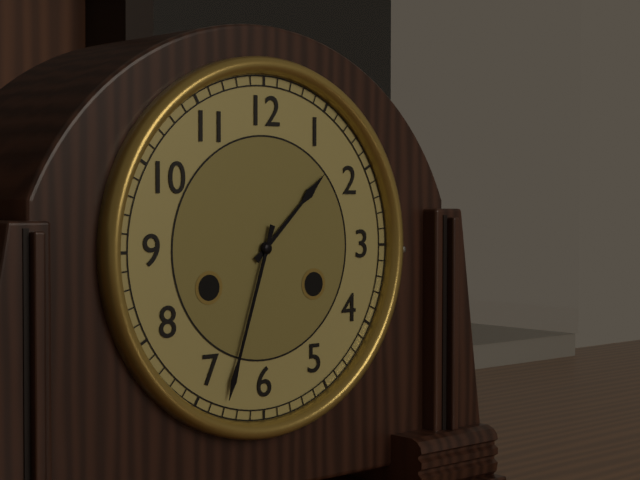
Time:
h=1 m=33
